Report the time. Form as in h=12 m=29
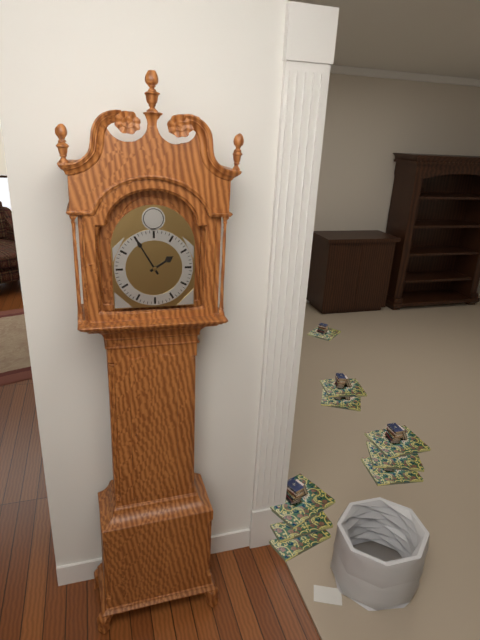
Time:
h=1 m=55
